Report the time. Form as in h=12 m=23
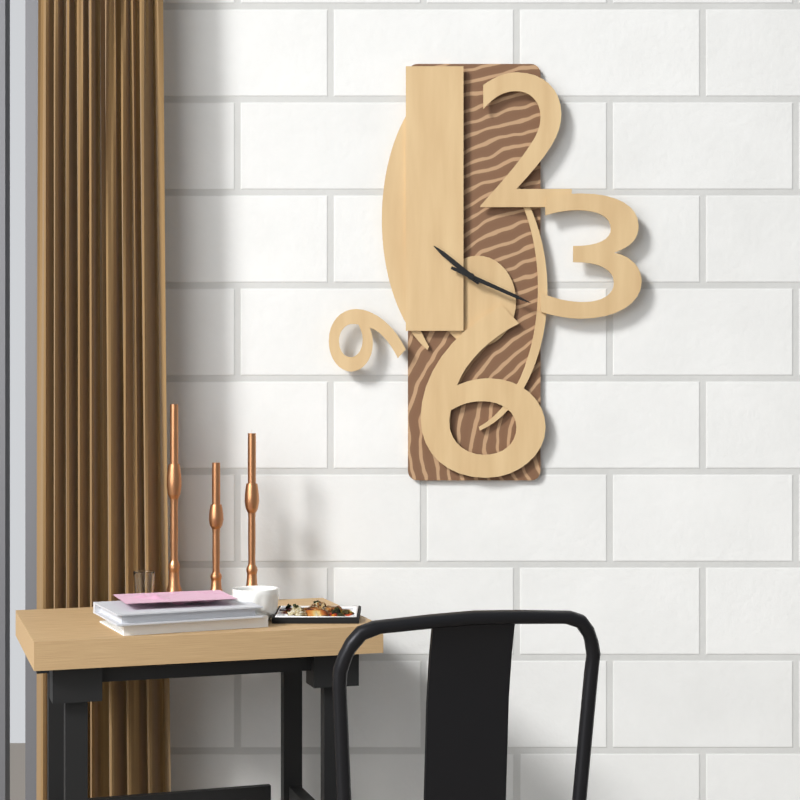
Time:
h=10 m=19
